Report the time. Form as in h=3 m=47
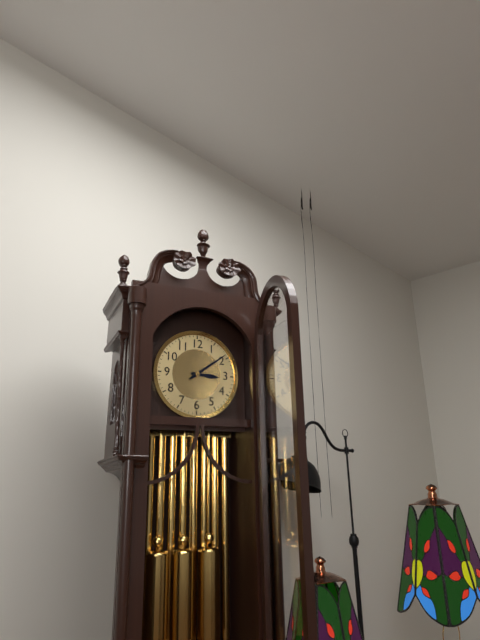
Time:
h=3 m=9
